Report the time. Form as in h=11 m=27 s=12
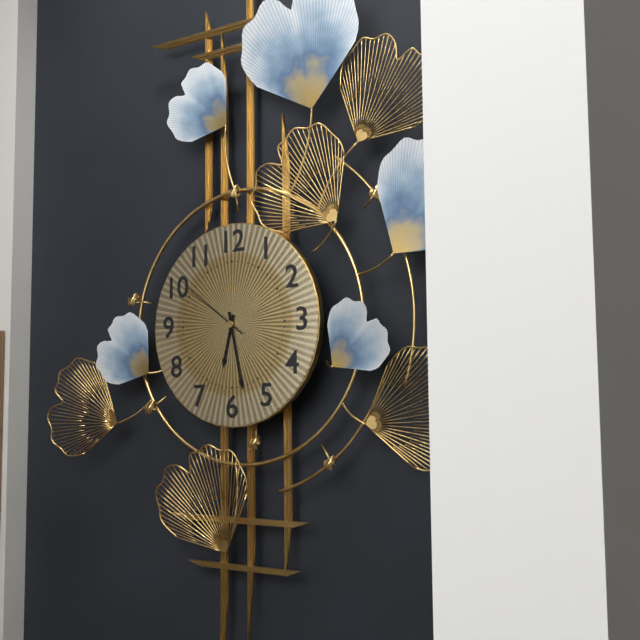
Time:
h=6 m=28 s=51
